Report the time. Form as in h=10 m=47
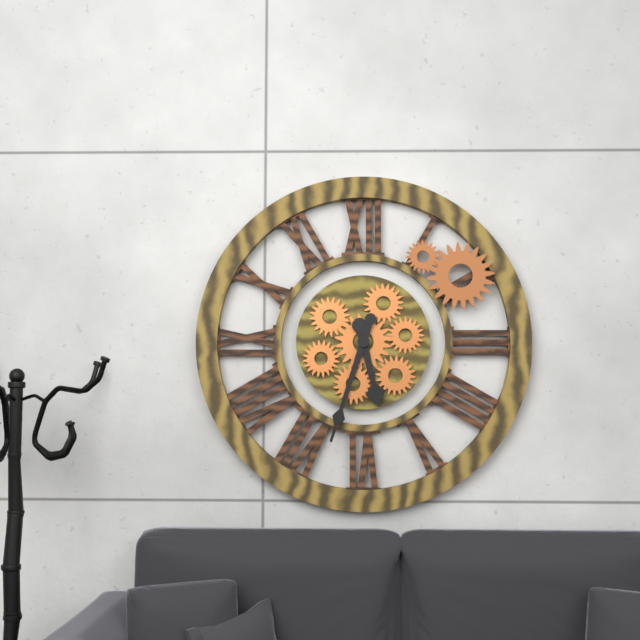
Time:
h=5 m=33
